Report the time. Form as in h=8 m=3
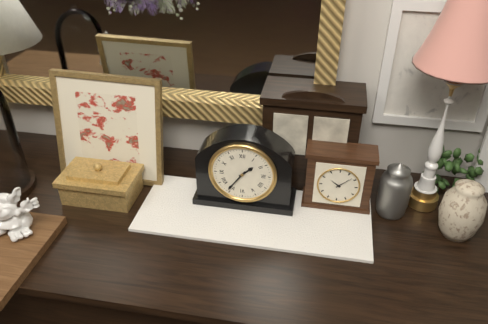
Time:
h=1 m=36
